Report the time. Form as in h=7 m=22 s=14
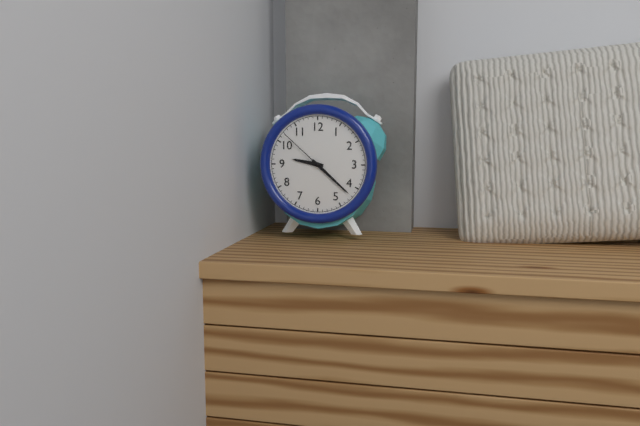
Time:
h=9 m=22 s=52
